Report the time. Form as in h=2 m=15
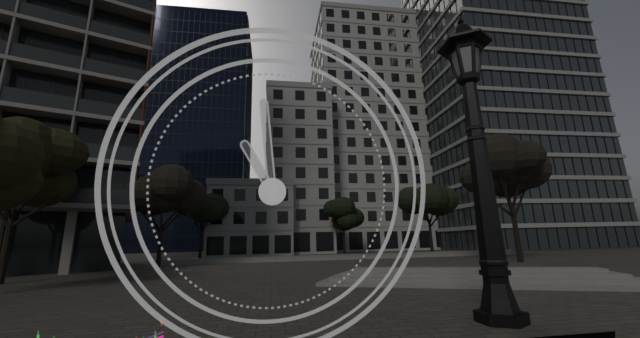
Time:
h=10 m=59
